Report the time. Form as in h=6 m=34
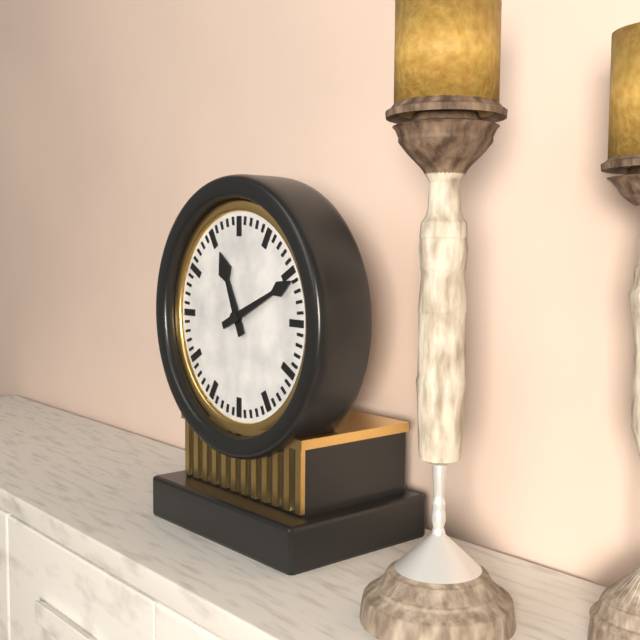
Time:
h=11 m=11
